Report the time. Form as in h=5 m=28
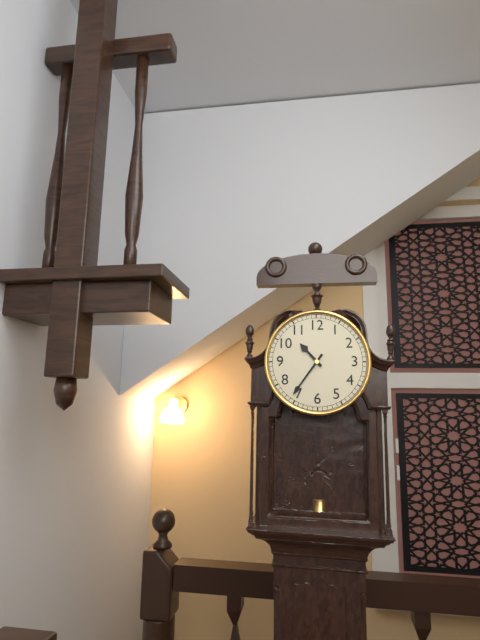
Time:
h=10 m=36
